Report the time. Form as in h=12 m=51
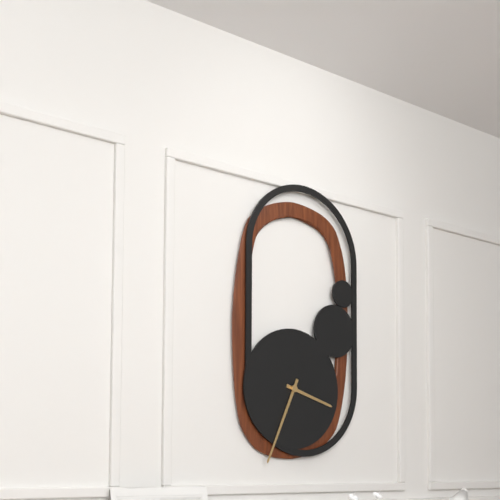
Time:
h=3 m=34
